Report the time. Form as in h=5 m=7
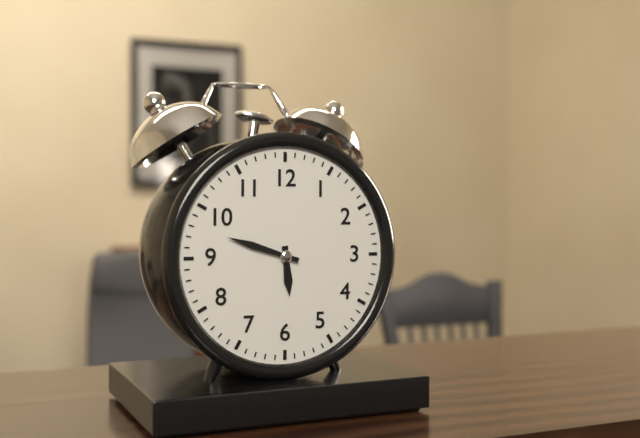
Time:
h=5 m=48
